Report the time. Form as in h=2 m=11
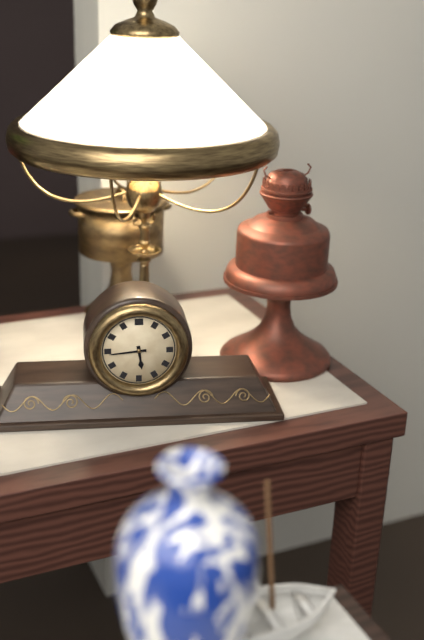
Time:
h=5 m=44
